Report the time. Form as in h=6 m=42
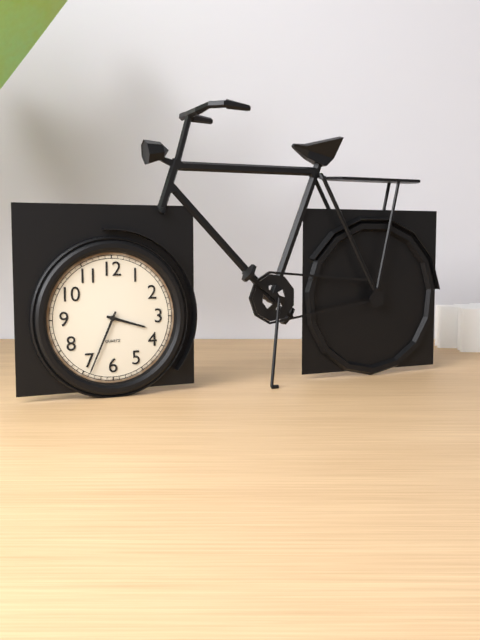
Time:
h=3 m=34
